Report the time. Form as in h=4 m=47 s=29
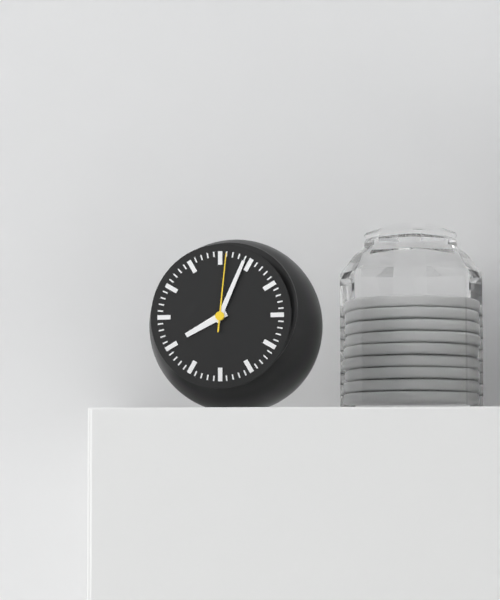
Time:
h=8 m=4 s=1
